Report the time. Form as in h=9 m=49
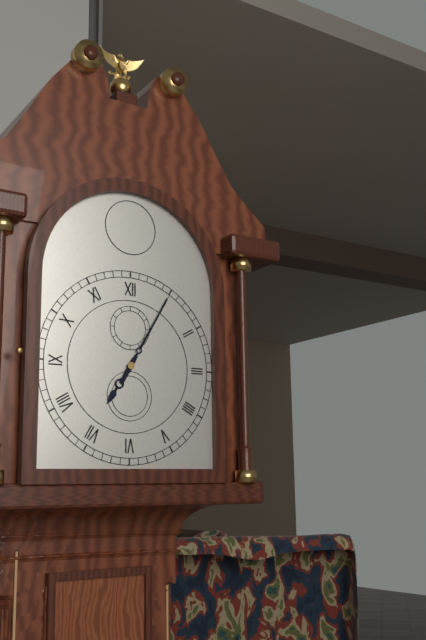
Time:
h=7 m=5
